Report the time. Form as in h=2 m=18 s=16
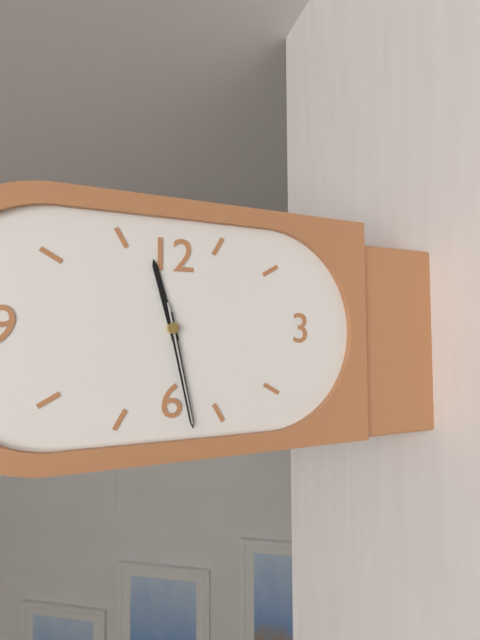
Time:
h=11 m=28 s=28
